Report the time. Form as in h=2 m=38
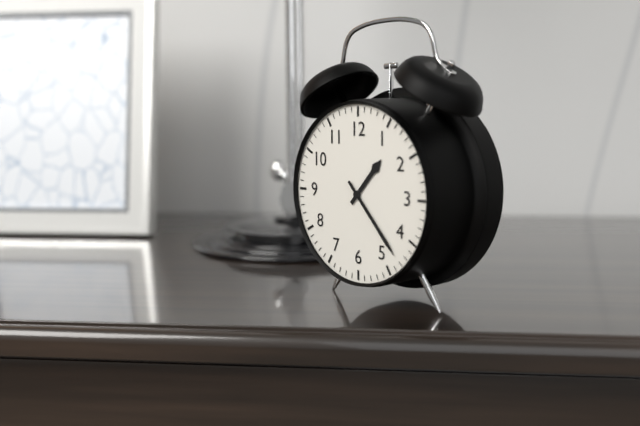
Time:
h=1 m=23
